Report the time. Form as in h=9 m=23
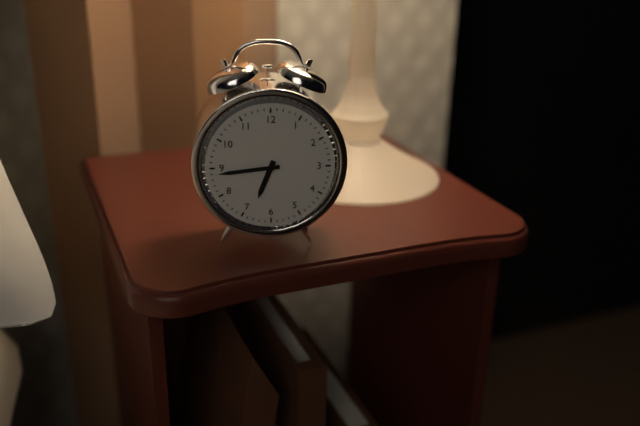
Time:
h=6 m=44
